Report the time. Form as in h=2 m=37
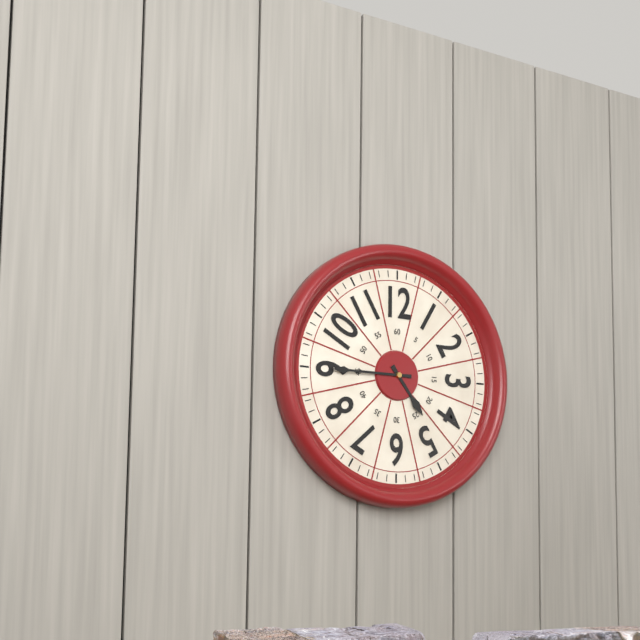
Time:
h=4 m=45
